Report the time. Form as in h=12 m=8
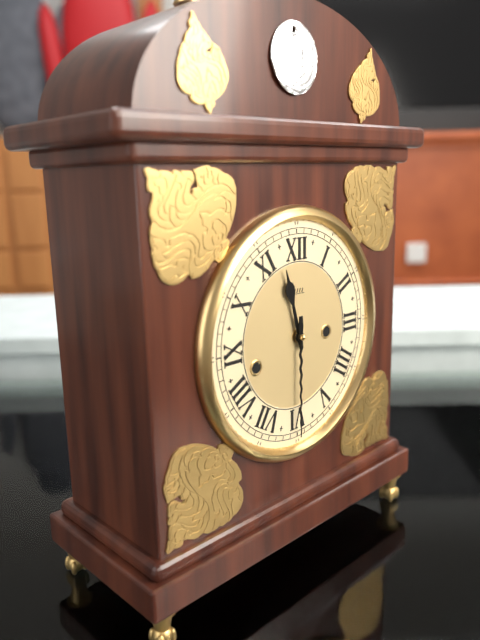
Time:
h=11 m=30
